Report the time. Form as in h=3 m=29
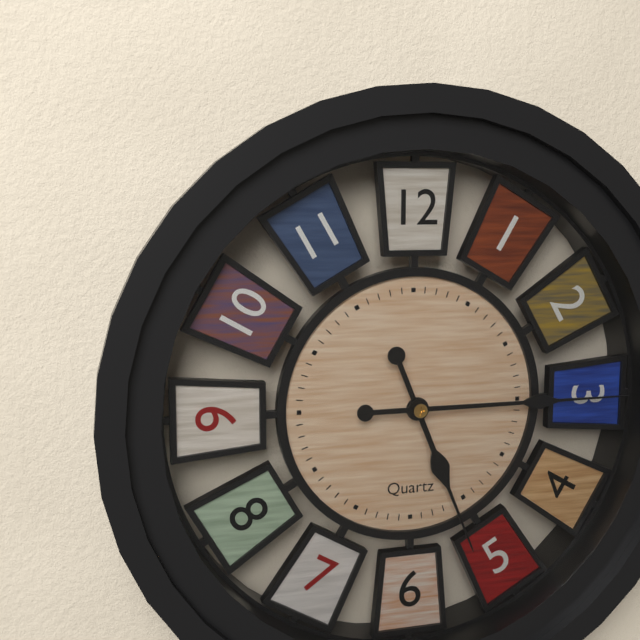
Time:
h=5 m=15
